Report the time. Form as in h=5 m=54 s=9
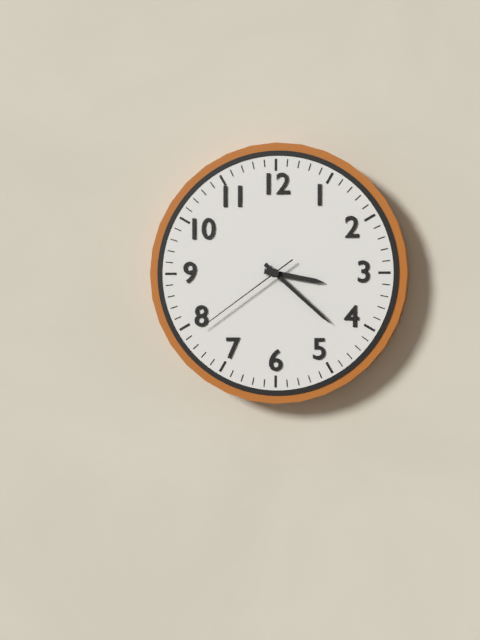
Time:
h=3 m=22 s=39
